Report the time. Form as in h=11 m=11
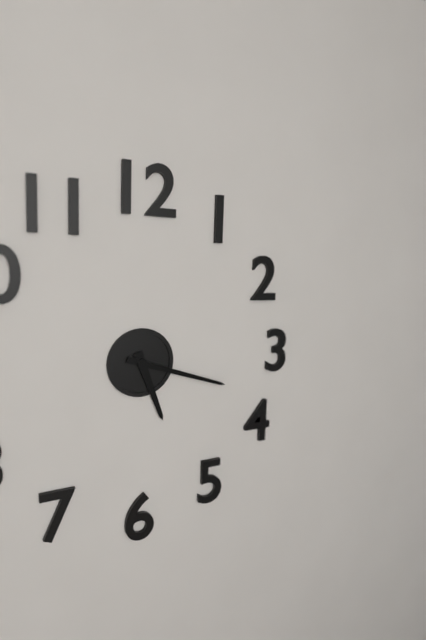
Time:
h=5 m=18
